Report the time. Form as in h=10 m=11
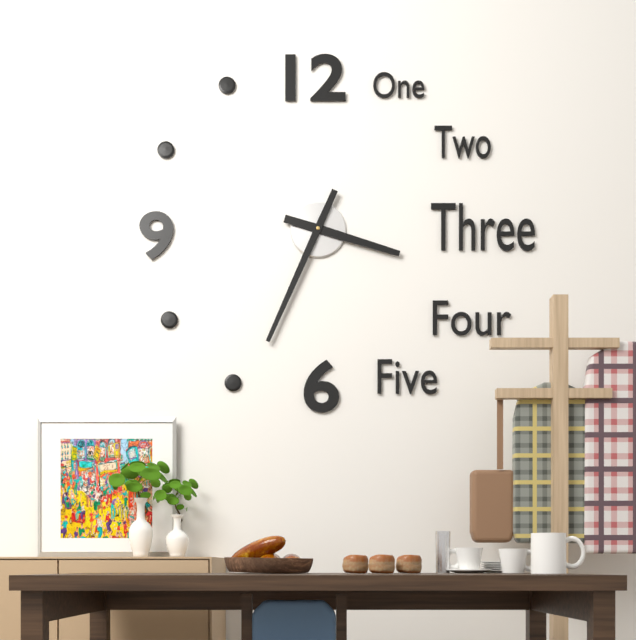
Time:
h=3 m=34
